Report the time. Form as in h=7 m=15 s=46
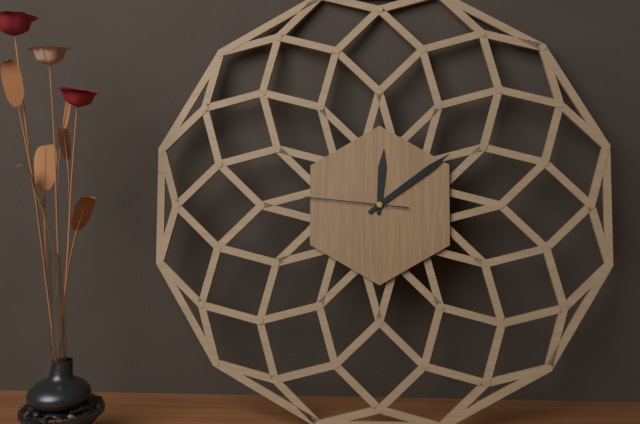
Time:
h=12 m=9 s=46
